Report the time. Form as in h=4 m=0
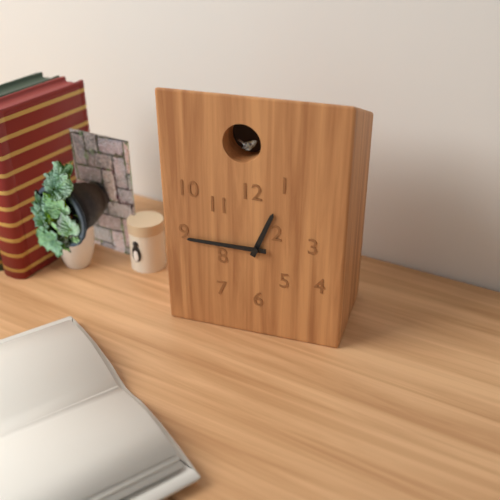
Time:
h=12 m=45
